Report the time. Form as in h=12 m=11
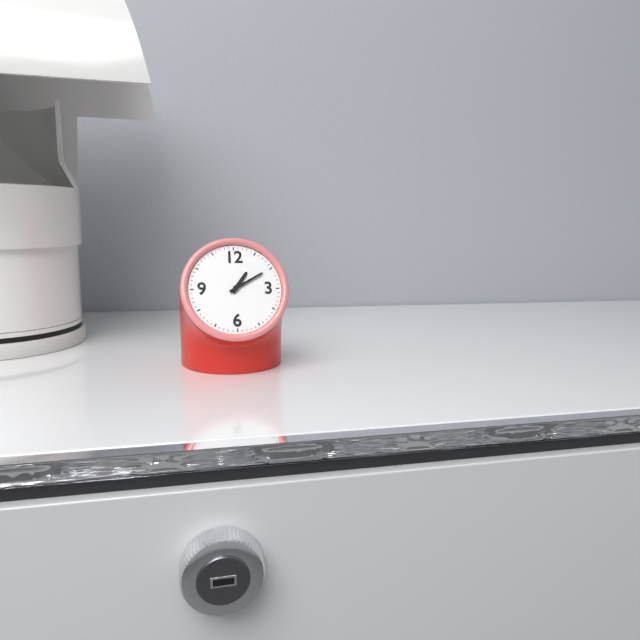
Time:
h=1 m=10
